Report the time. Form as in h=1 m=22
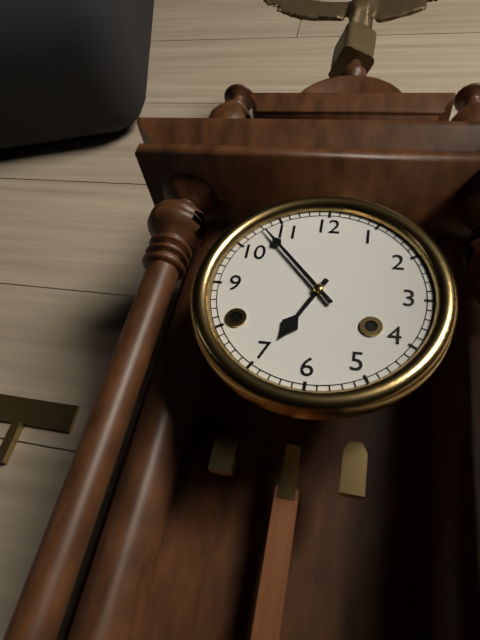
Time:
h=6 m=53
